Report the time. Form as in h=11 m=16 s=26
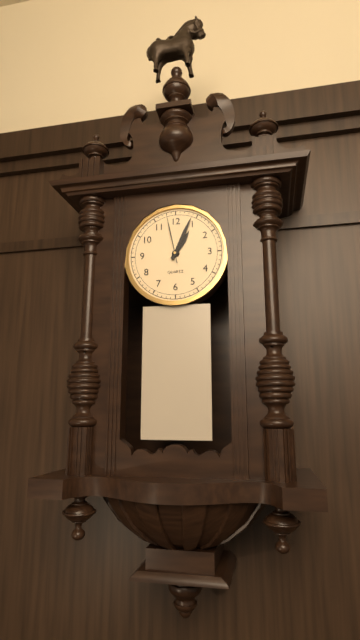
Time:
h=1 m=4 s=58
